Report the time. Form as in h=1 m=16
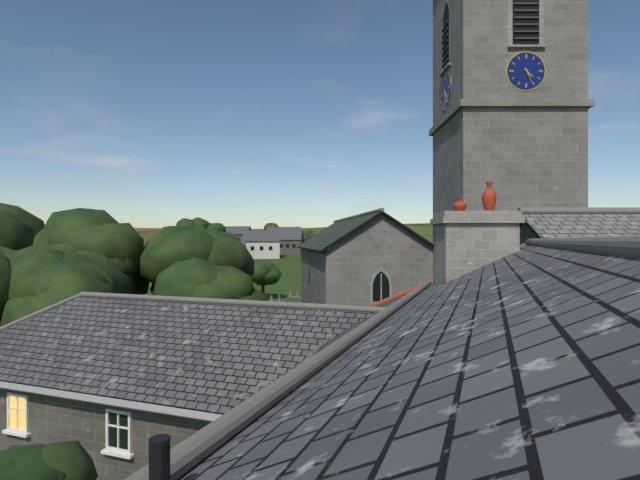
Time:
h=4 m=26
